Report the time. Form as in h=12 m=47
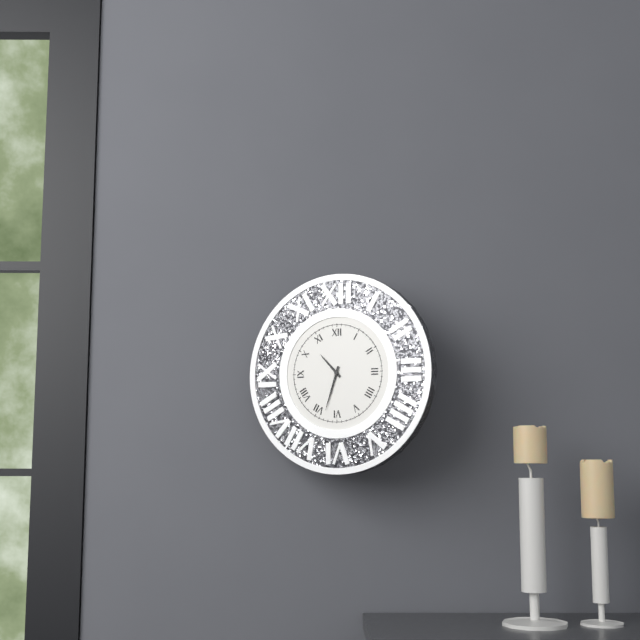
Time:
h=10 m=33
